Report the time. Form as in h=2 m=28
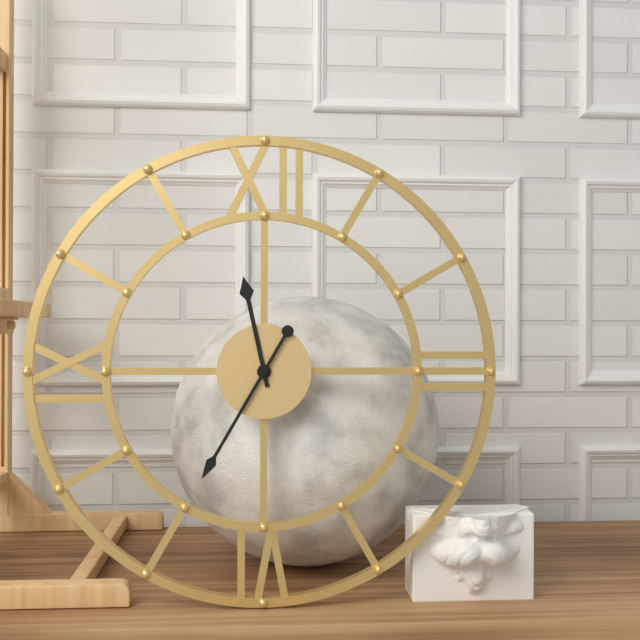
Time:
h=11 m=35
